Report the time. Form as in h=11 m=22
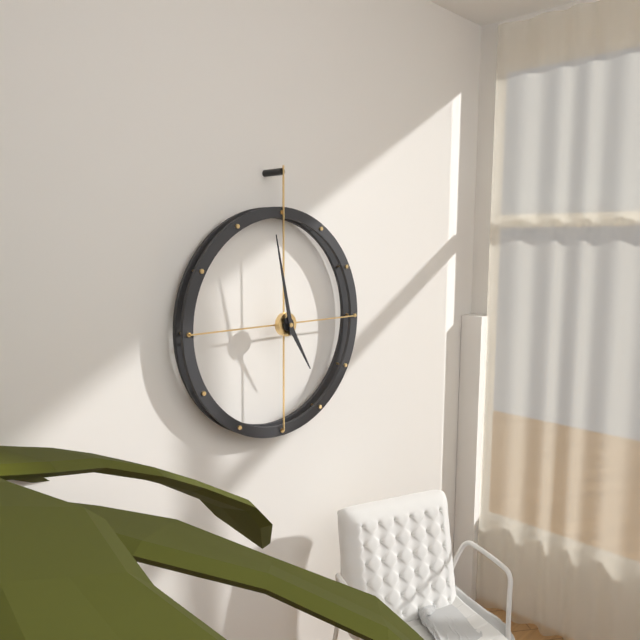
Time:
h=4 m=58
